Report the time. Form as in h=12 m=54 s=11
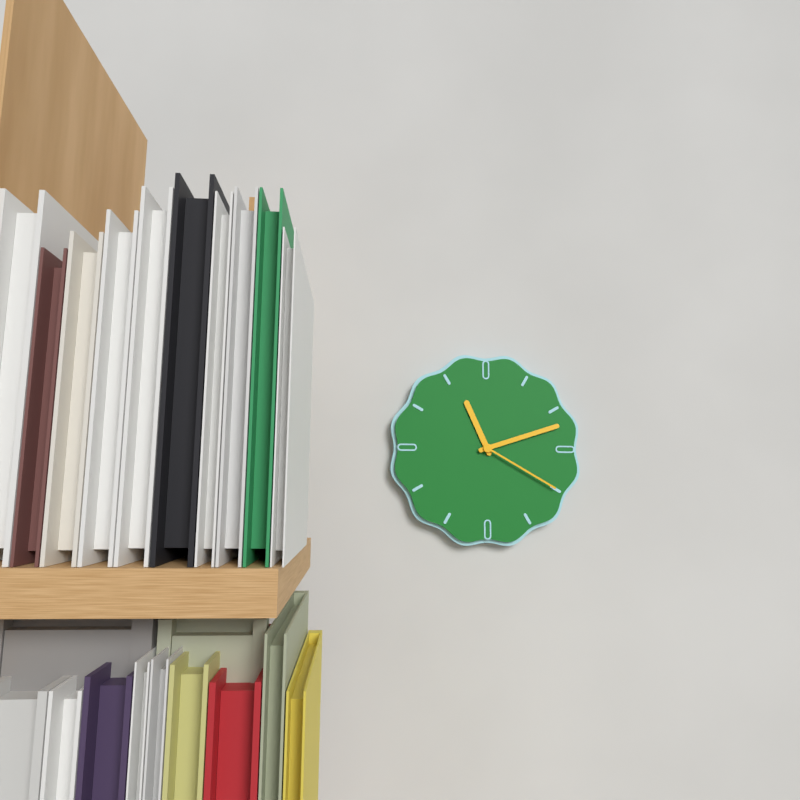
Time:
h=11 m=12 s=20
